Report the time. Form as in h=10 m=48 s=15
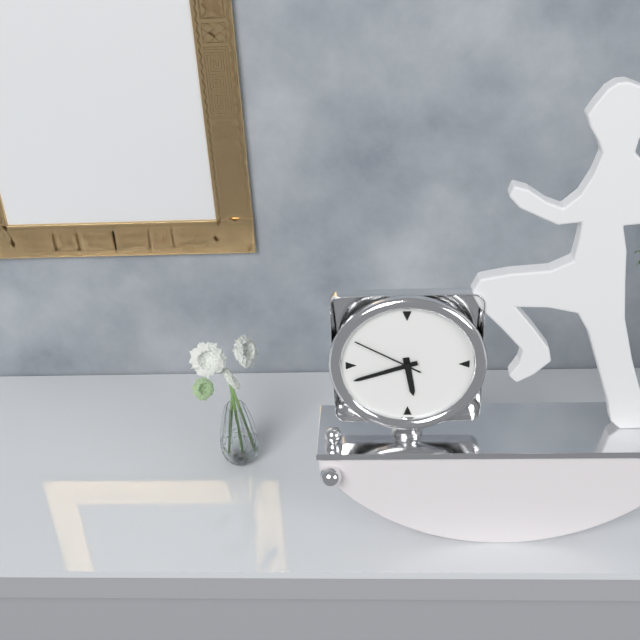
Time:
h=5 m=42 s=50
